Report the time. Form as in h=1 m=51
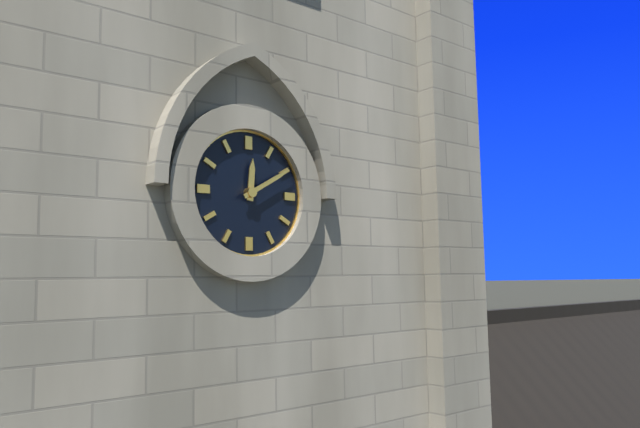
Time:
h=12 m=10
